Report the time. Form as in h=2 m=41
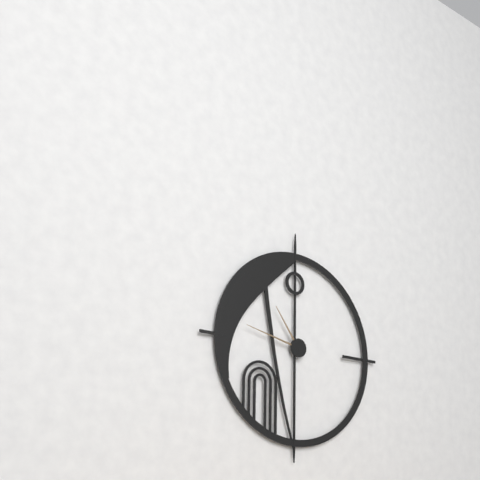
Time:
h=10 m=47
